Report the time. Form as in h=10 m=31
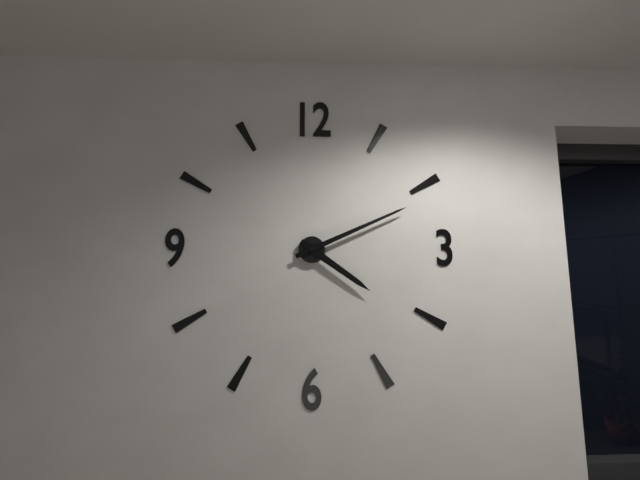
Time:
h=4 m=11
